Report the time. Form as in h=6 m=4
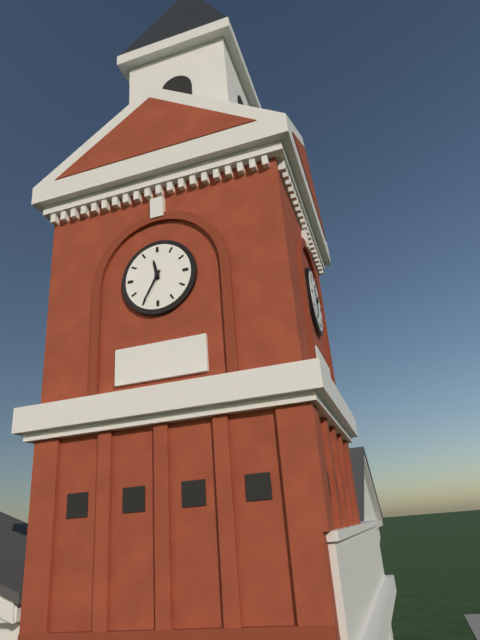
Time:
h=11 m=35
